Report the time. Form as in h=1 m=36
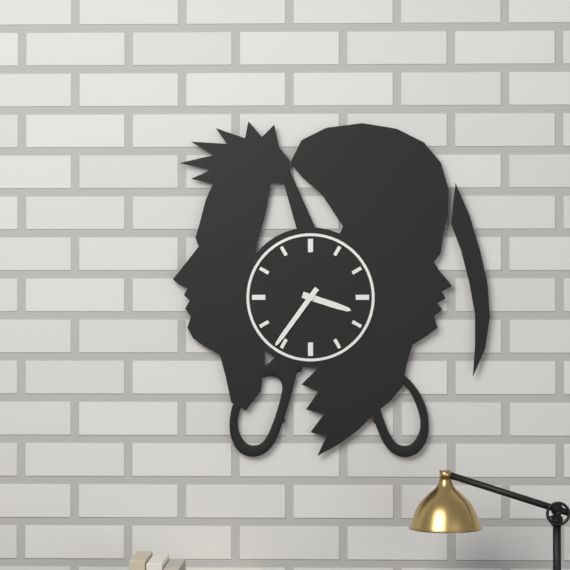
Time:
h=3 m=36
